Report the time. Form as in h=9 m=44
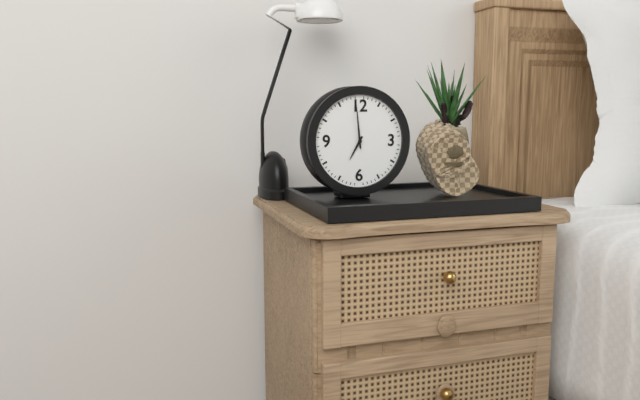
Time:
h=6 m=59
